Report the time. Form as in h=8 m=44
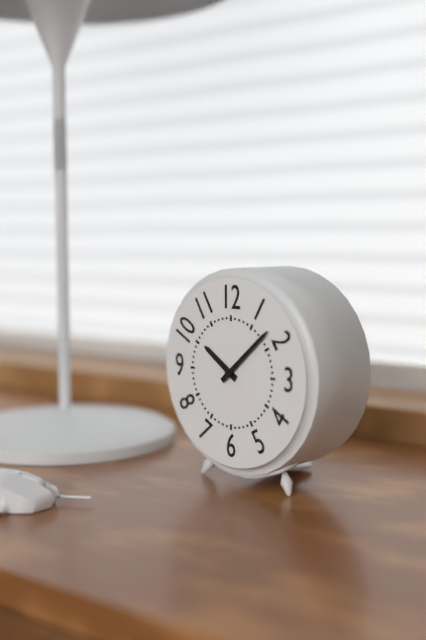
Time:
h=10 m=8
